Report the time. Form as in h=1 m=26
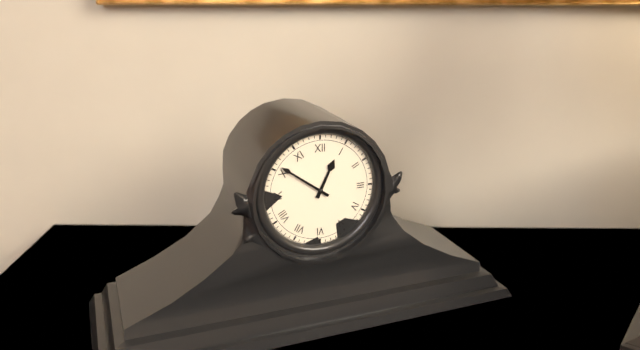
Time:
h=12 m=51
